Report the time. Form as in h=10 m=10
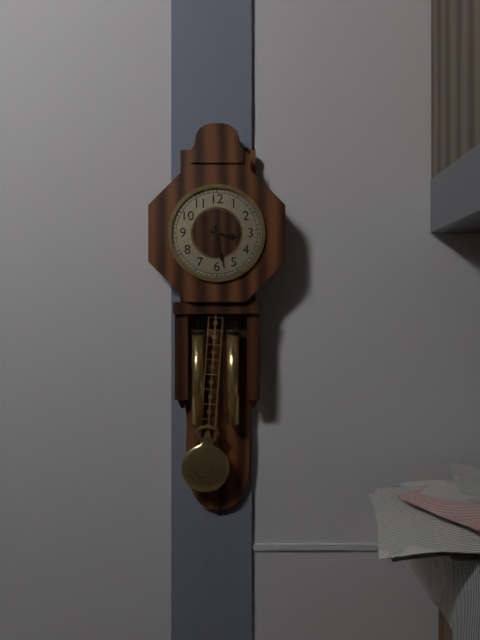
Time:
h=3 m=28
